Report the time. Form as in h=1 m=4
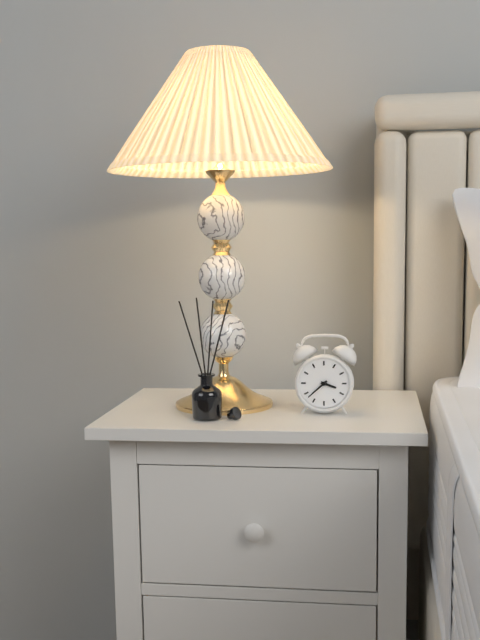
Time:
h=3 m=38
